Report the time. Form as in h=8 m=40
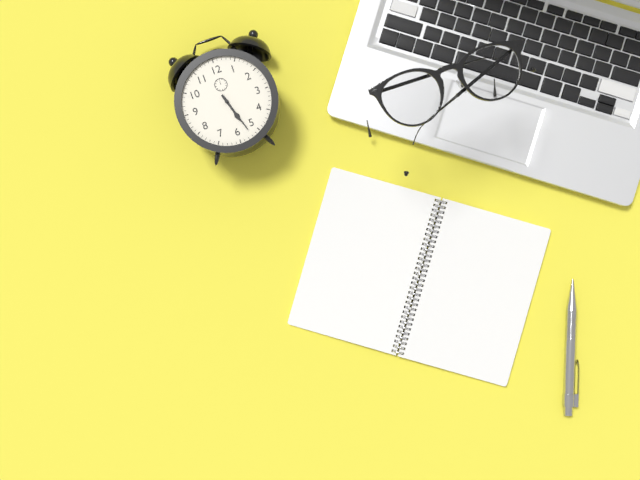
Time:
h=5 m=27
